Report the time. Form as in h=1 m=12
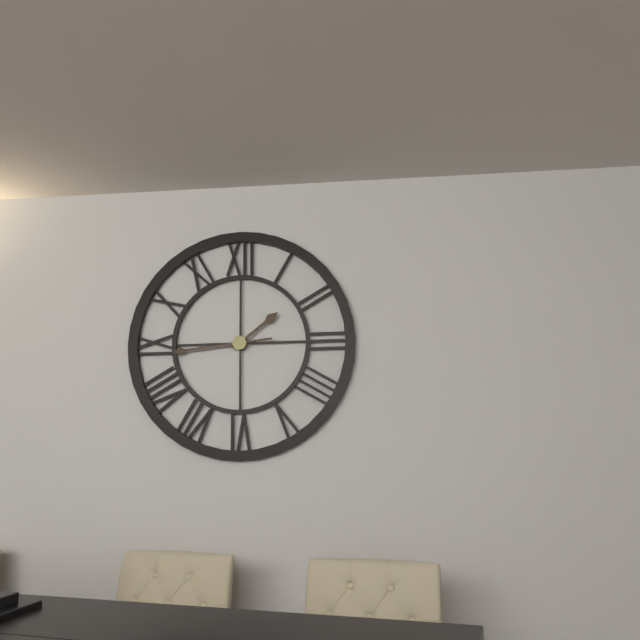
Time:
h=1 m=44
